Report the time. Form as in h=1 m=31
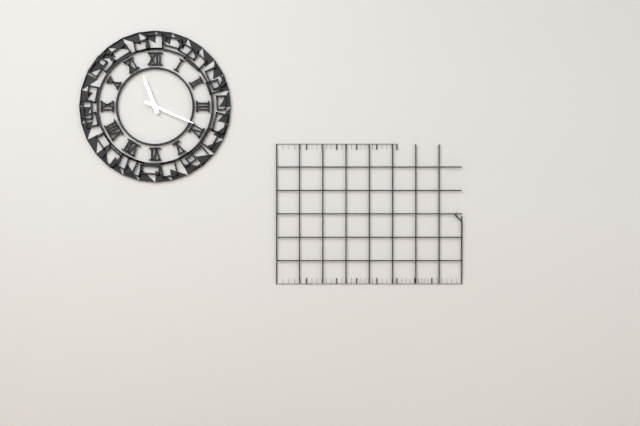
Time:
h=11 m=19
